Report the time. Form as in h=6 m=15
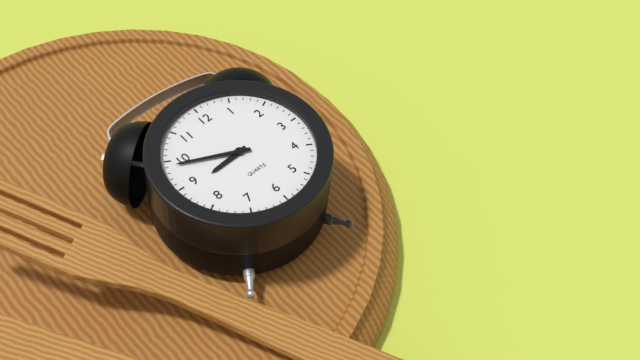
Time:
h=8 m=49
